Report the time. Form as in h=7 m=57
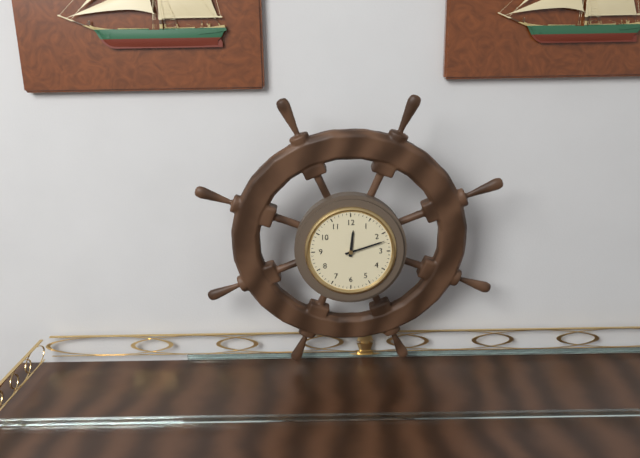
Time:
h=12 m=12
